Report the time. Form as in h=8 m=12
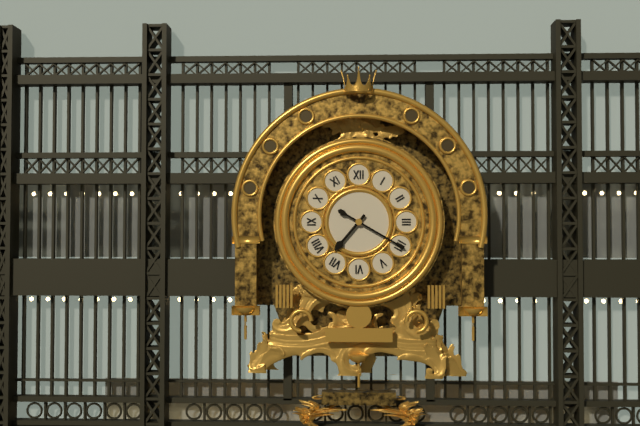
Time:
h=7 m=20
